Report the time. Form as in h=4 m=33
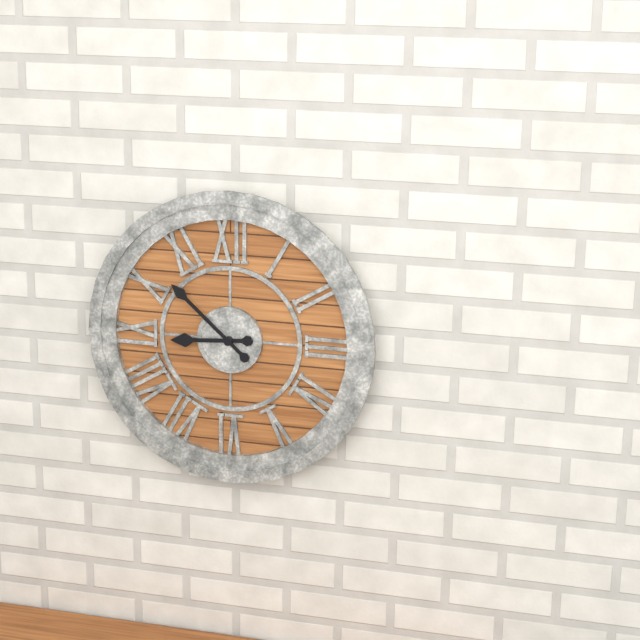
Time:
h=8 m=52
